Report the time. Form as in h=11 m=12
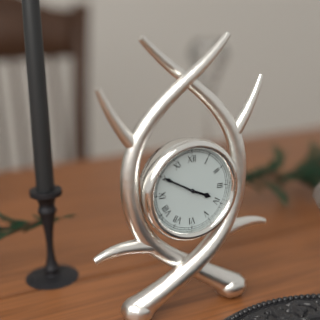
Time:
h=3 m=50
